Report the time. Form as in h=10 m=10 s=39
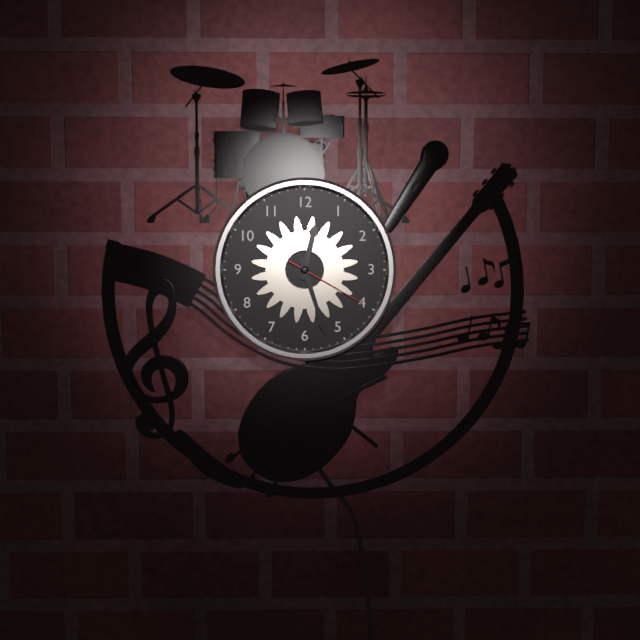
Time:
h=12 m=27 s=20
